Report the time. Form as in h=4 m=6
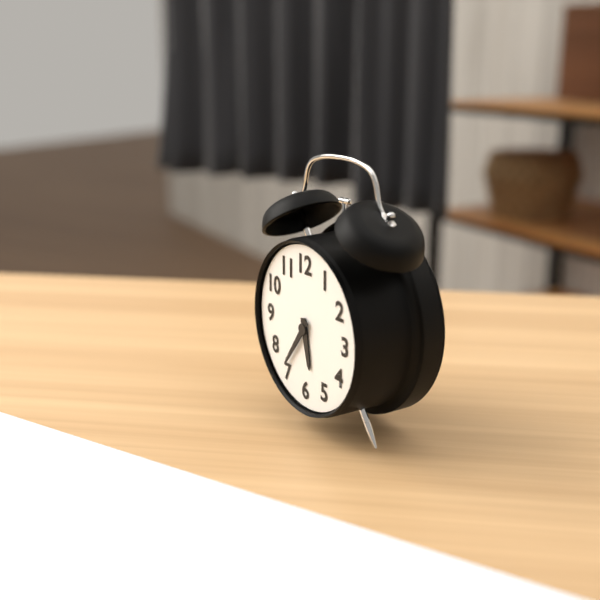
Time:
h=5 m=36
